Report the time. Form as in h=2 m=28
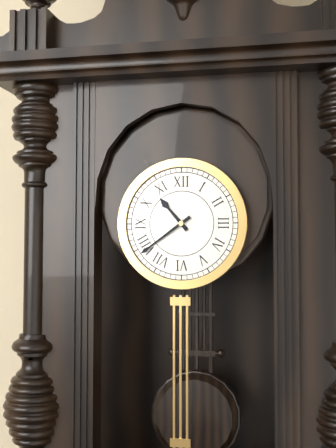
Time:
h=10 m=39
